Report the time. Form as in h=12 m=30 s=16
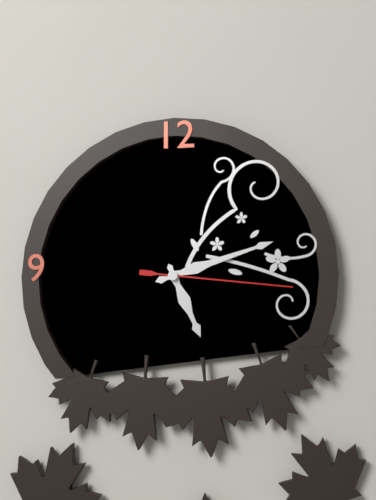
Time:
h=5 m=12 s=16
